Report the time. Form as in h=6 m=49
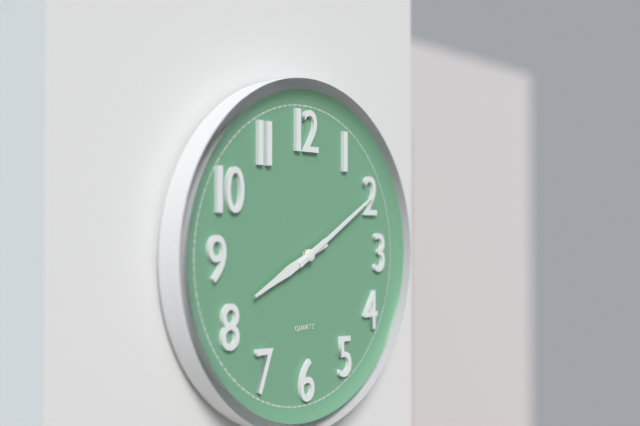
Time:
h=8 m=10
